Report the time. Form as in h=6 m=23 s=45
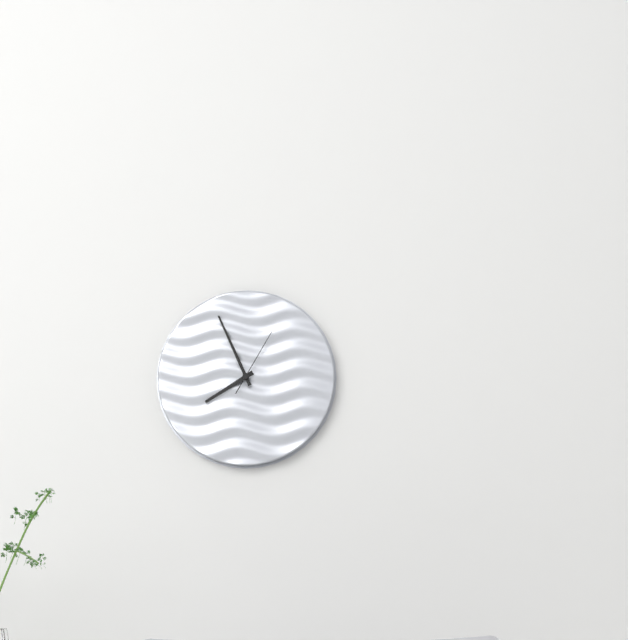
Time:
h=7 m=56 s=5
